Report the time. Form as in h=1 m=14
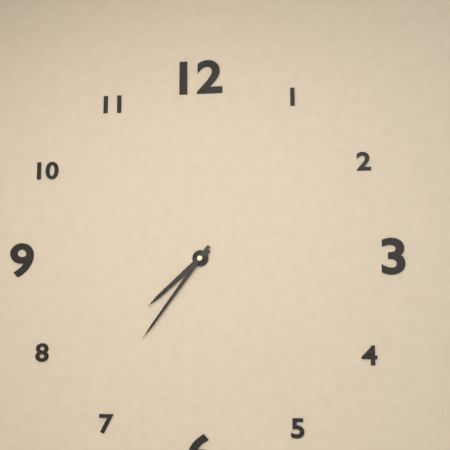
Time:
h=7 m=36
